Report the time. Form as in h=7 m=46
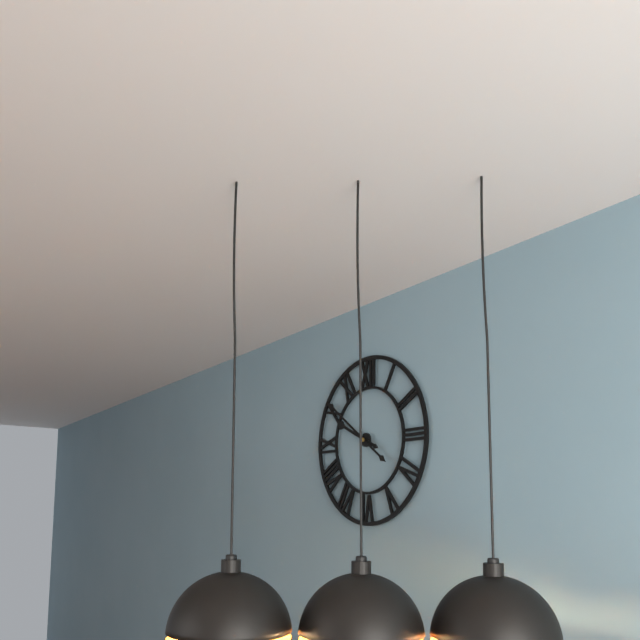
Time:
h=9 m=51
